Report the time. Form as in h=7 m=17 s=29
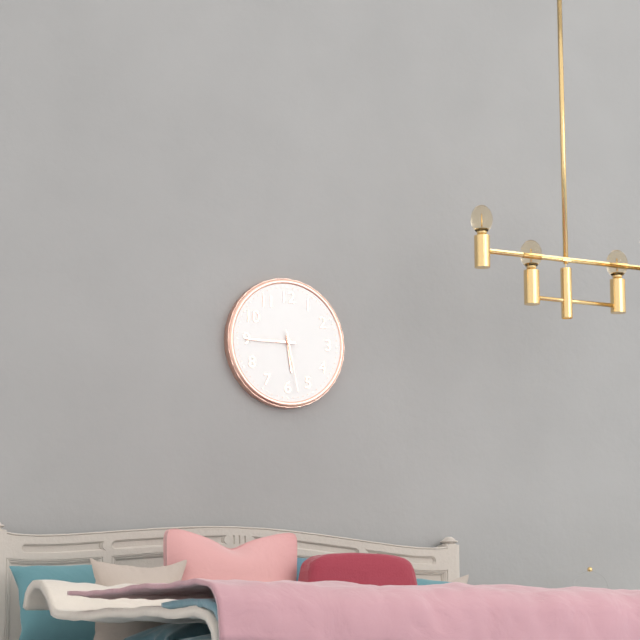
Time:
h=5 m=45 s=28
